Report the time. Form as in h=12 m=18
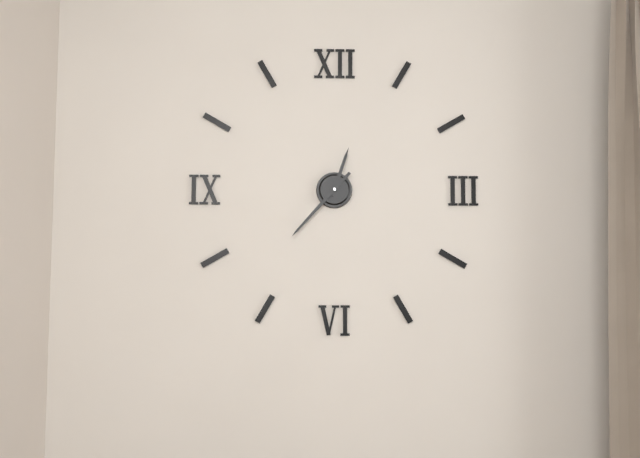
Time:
h=12 m=37
